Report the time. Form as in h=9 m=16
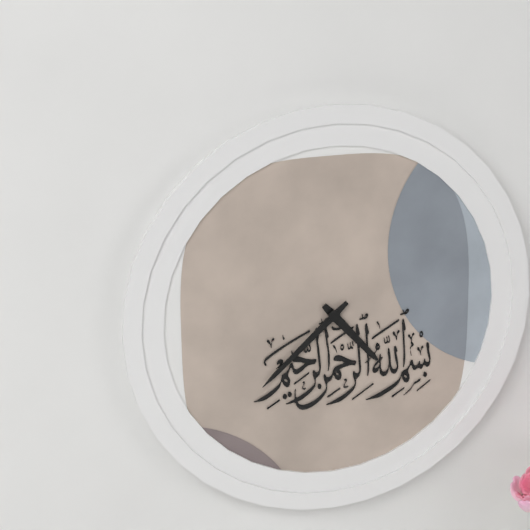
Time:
h=4 m=38
